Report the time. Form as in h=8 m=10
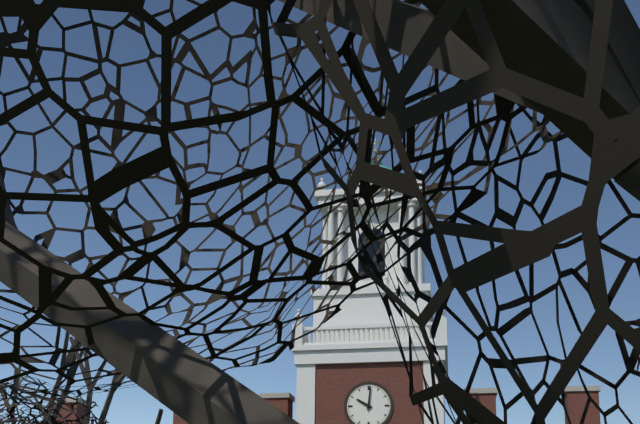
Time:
h=10 m=1
